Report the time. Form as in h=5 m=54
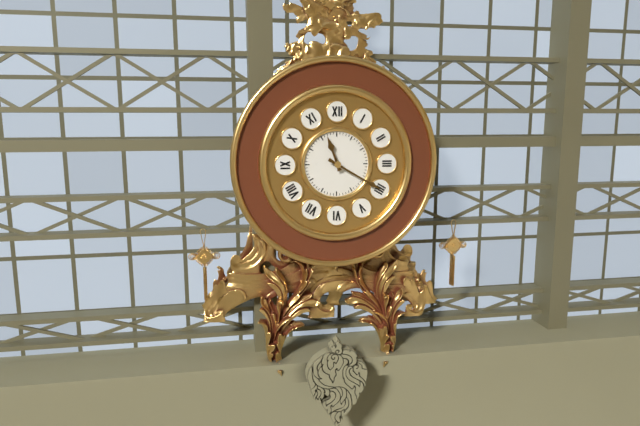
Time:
h=11 m=20
